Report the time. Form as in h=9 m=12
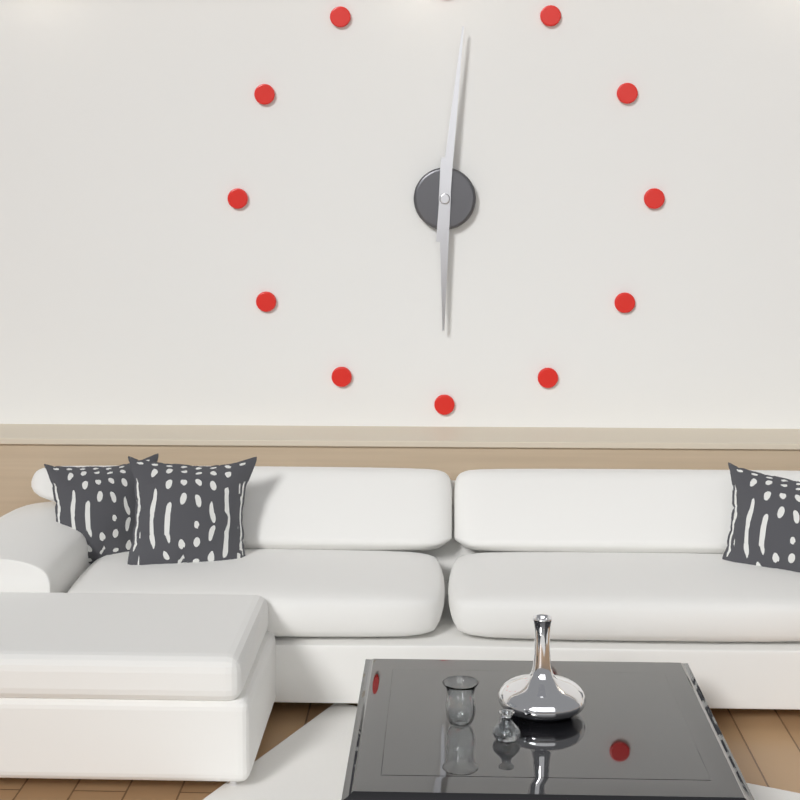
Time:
h=6 m=1
